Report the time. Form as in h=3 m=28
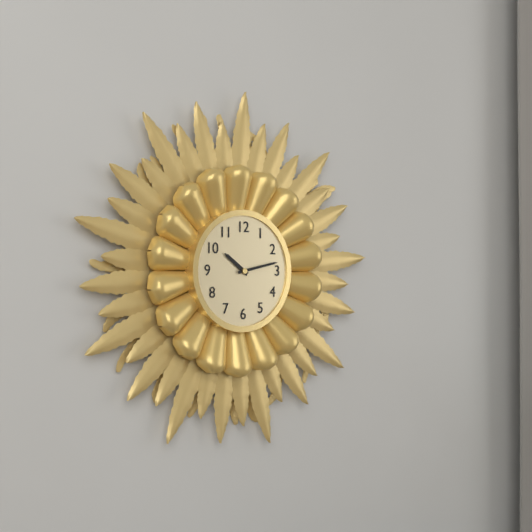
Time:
h=10 m=13
